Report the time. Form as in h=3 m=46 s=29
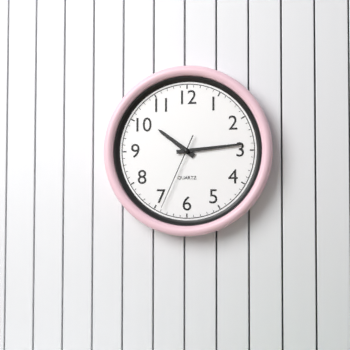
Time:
h=10 m=14 s=34
